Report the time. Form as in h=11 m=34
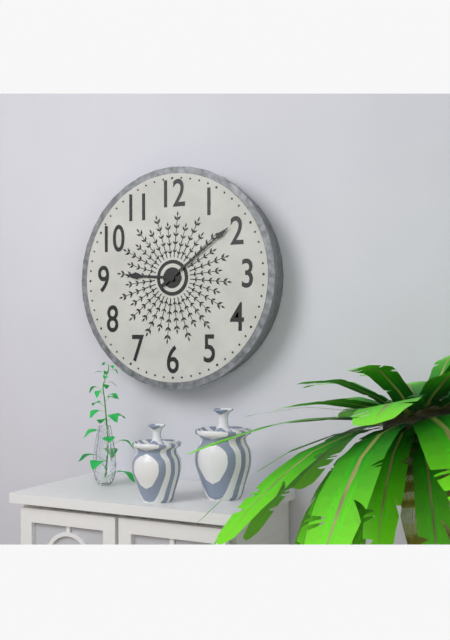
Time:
h=9 m=9
